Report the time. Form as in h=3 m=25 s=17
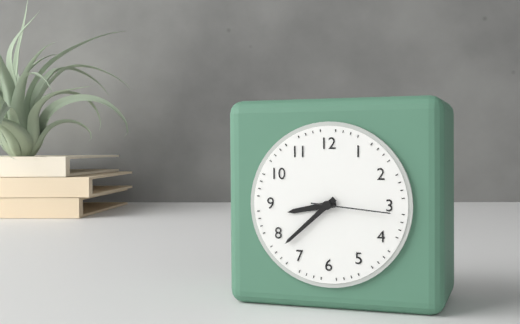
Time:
h=8 m=38 s=16
